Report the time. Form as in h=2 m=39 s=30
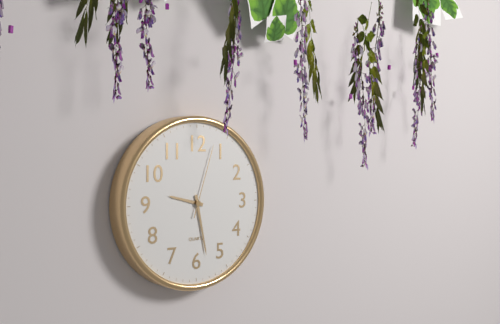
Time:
h=9 m=28 s=3
